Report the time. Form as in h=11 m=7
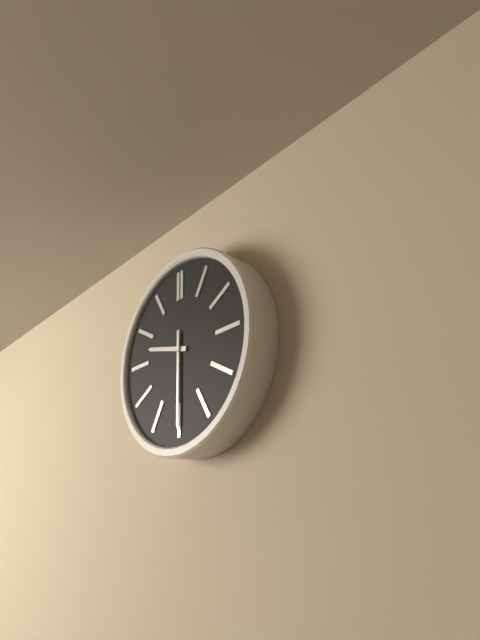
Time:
h=9 m=30
